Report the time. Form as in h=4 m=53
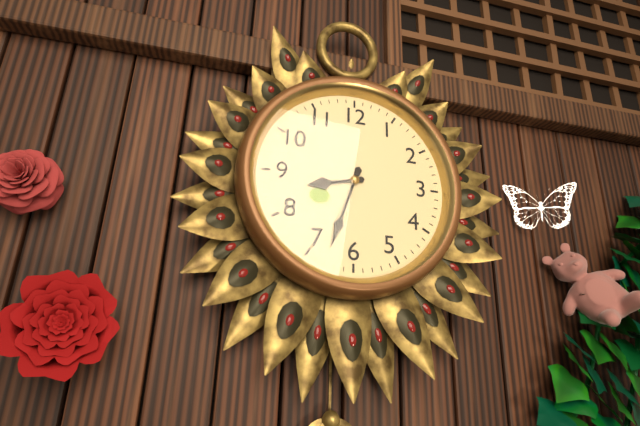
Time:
h=8 m=33
